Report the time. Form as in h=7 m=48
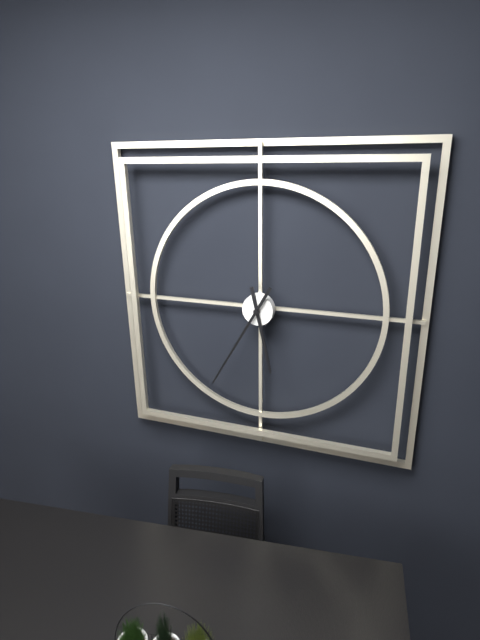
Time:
h=5 m=35
